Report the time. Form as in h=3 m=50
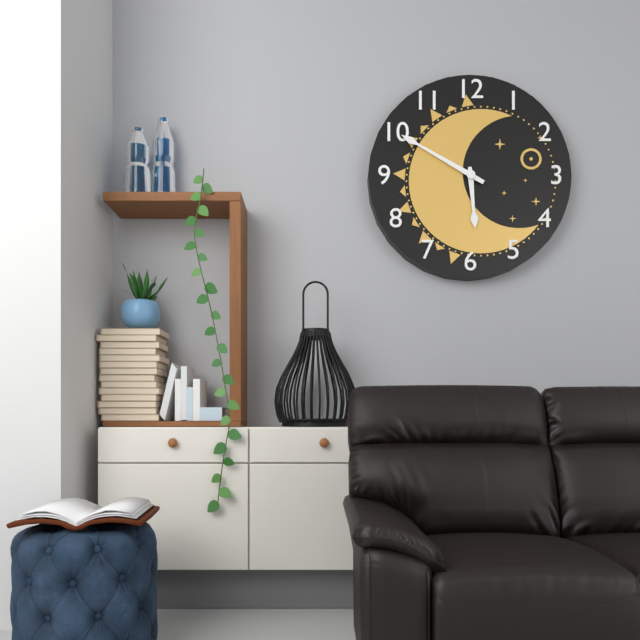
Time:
h=5 m=50
